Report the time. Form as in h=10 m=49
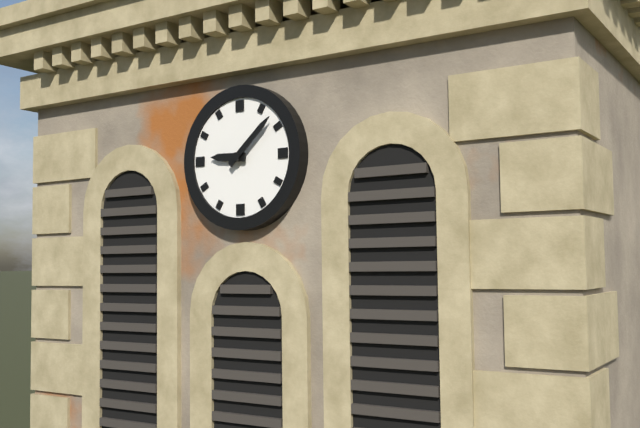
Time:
h=9 m=8
